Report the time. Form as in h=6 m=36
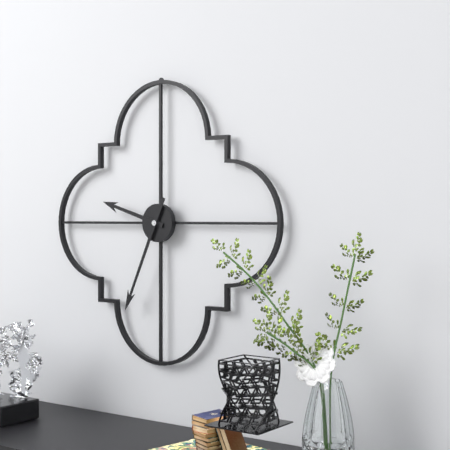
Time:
h=9 m=34
